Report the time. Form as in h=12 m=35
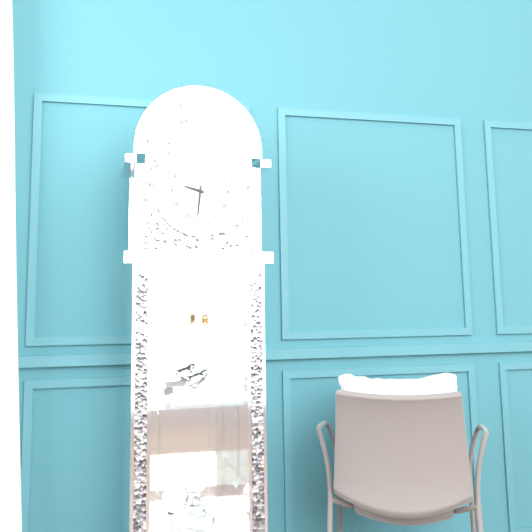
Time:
h=9 m=31
